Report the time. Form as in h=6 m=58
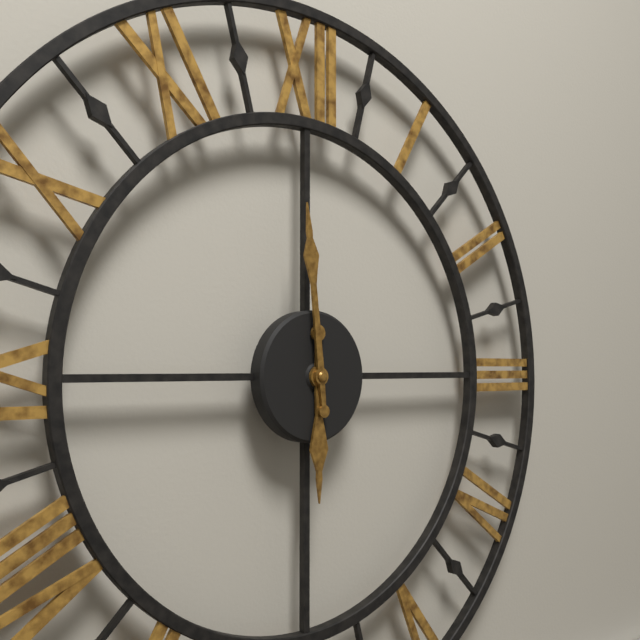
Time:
h=5 m=59
